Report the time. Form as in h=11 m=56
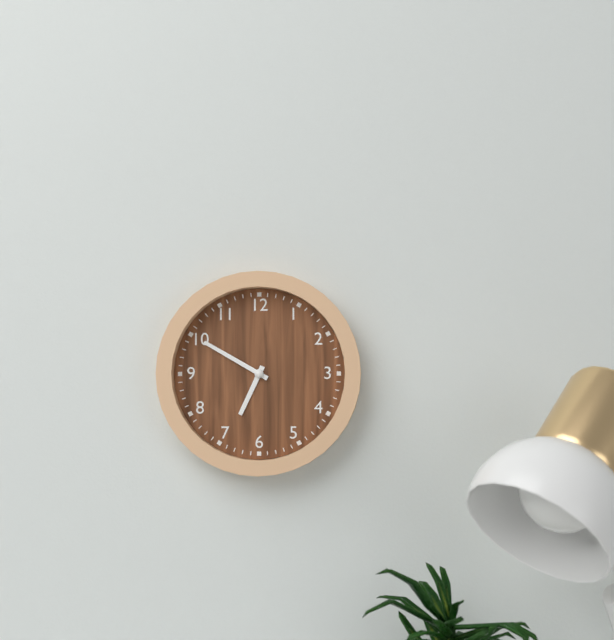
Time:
h=6 m=50
